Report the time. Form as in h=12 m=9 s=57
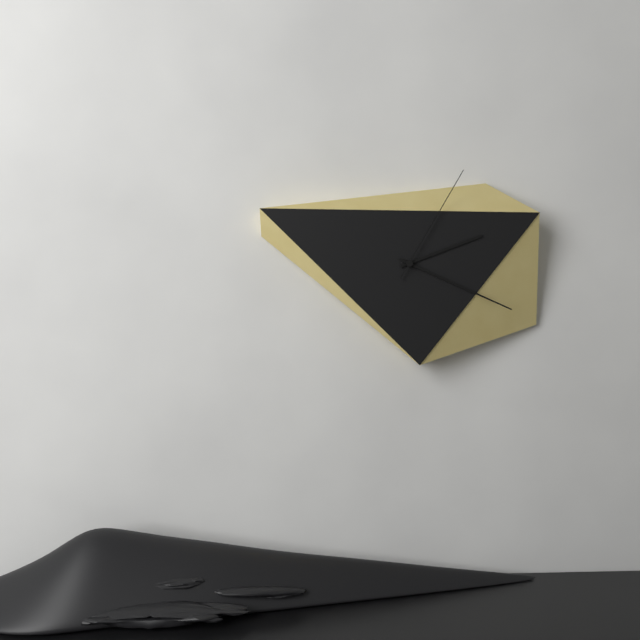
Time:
h=2 m=19 s=5
